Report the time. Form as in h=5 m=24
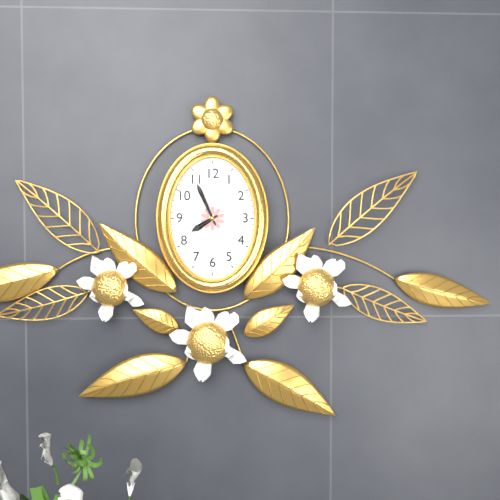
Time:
h=7 m=56
